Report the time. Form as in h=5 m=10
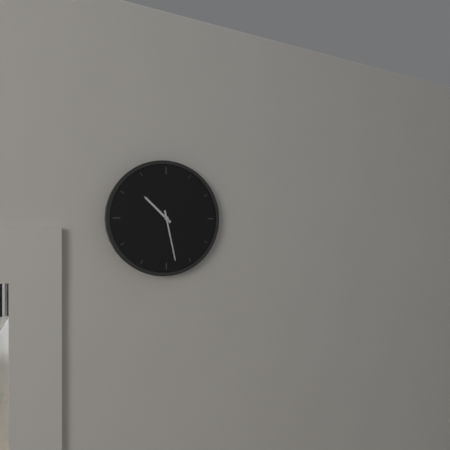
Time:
h=10 m=28
